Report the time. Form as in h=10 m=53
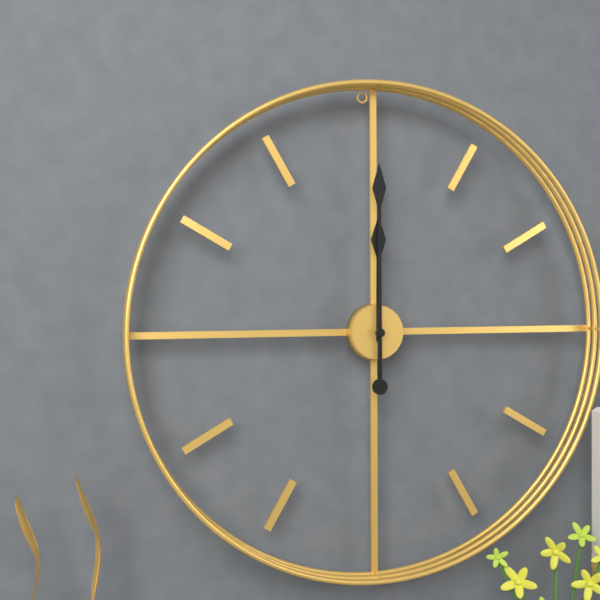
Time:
h=12 m=0
